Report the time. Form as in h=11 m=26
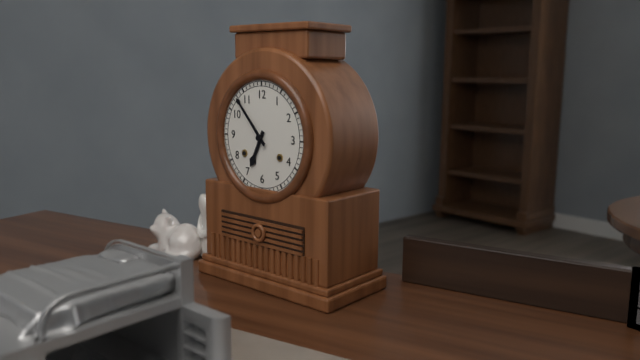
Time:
h=6 m=53
